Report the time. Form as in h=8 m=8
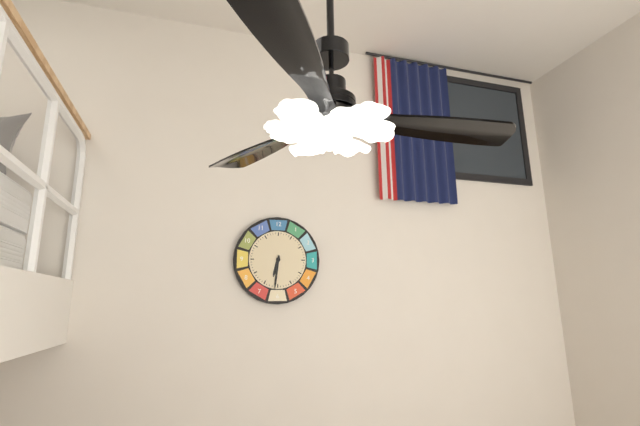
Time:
h=6 m=31
